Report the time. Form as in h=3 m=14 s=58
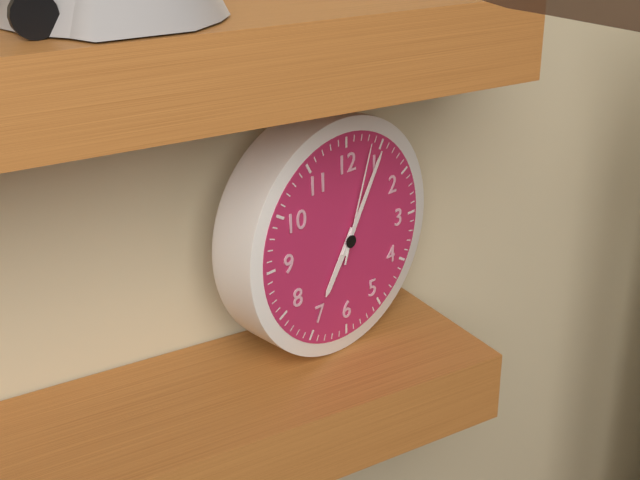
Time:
h=7 m=5 s=3
